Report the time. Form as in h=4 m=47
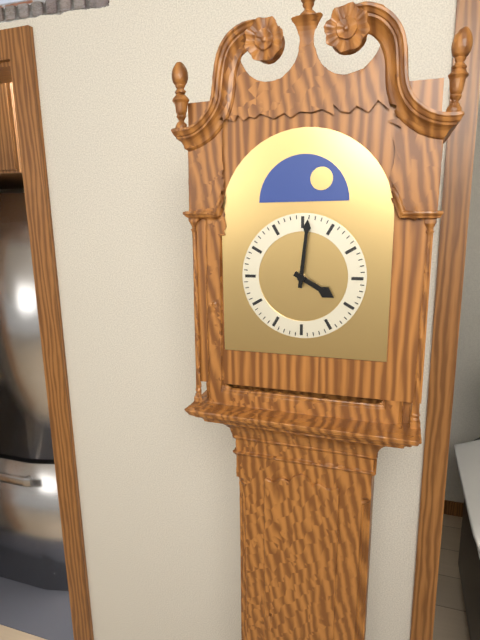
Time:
h=4 m=1
